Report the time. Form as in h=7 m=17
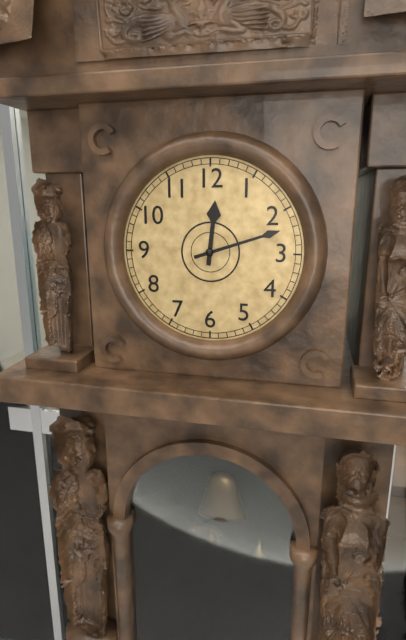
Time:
h=12 m=12
